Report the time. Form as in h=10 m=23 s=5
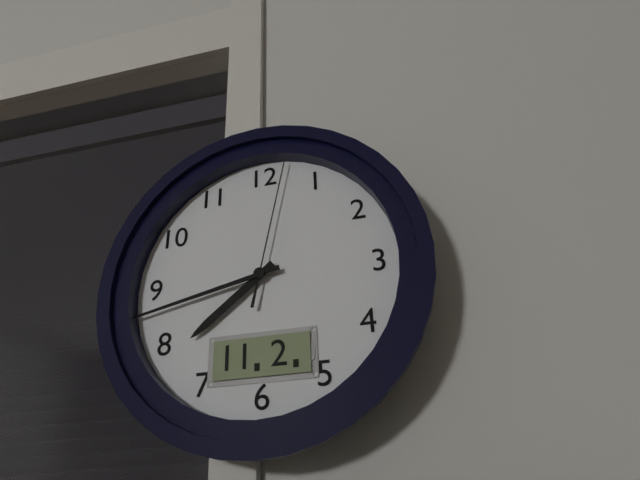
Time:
h=7 m=43 s=2
